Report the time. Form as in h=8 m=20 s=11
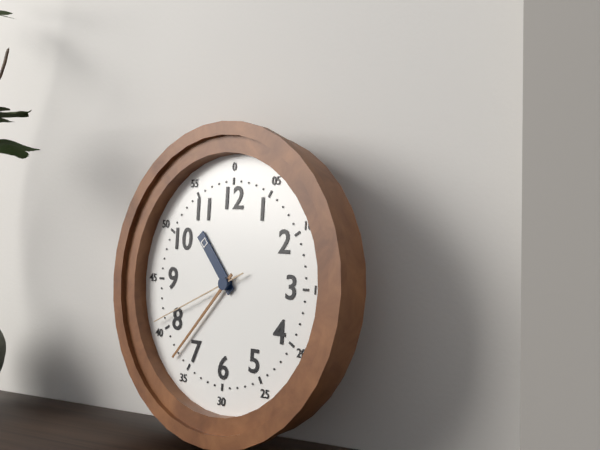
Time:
h=10 m=37 s=41
